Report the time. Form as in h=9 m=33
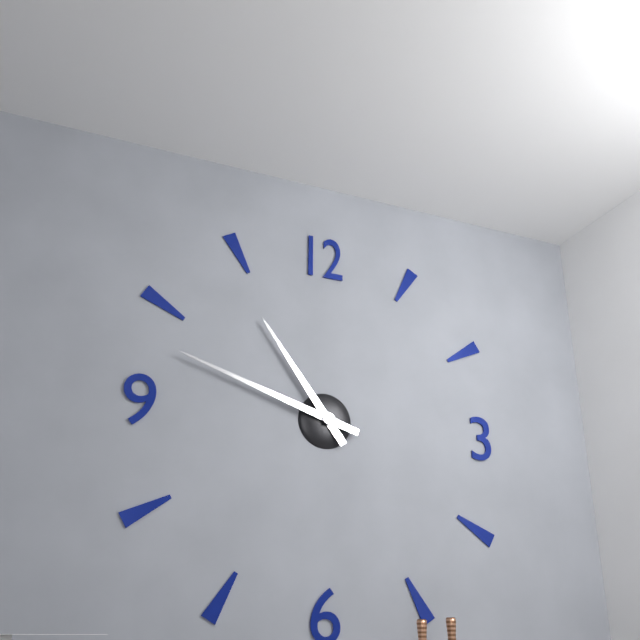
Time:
h=10 m=48
